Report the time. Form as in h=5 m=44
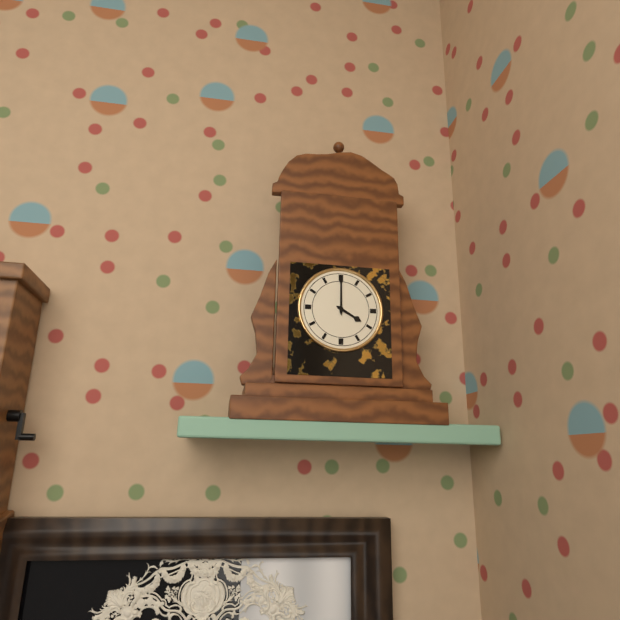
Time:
h=4 m=0
